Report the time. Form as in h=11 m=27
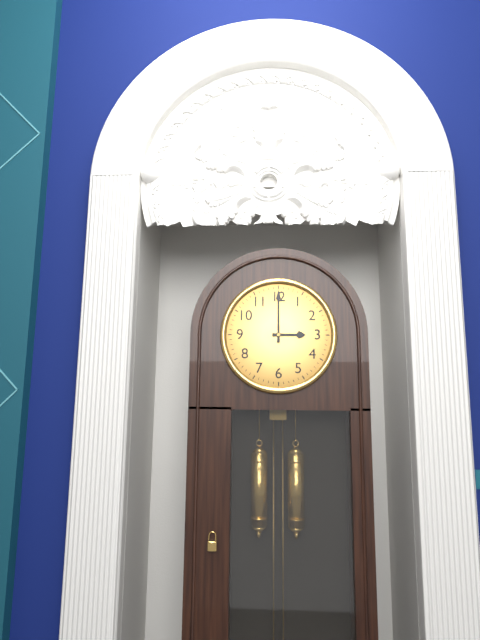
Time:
h=3 m=0
